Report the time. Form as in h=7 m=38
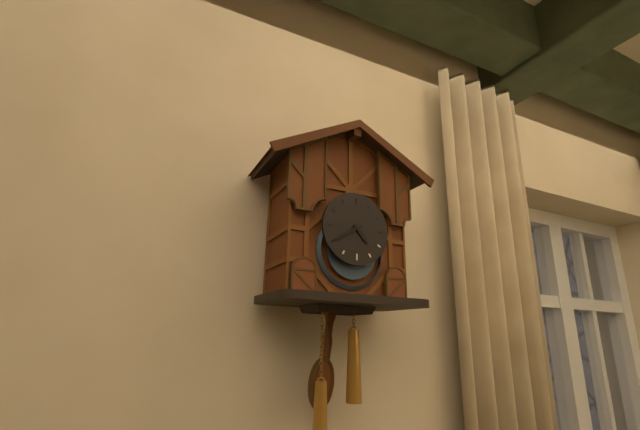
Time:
h=4 m=40
